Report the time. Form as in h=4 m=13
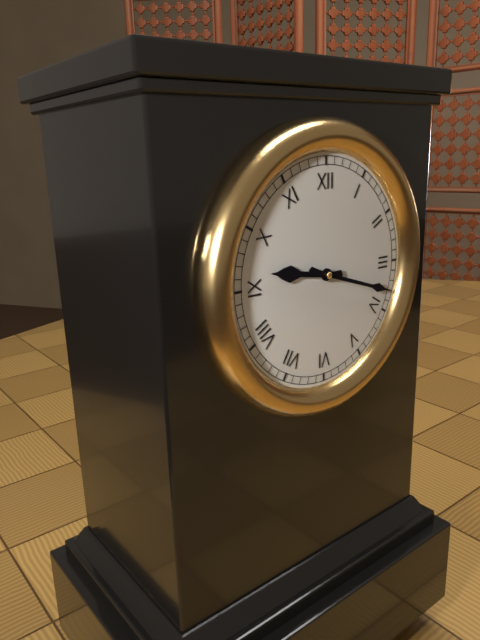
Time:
h=9 m=18
